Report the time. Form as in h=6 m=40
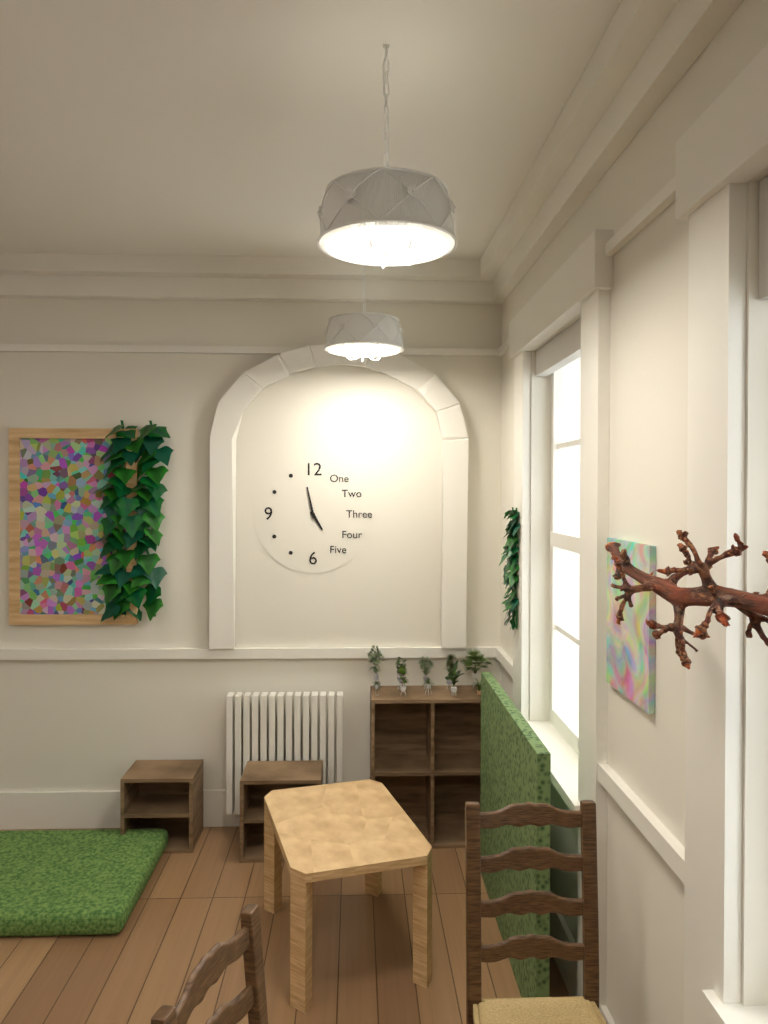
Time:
h=4 m=58
